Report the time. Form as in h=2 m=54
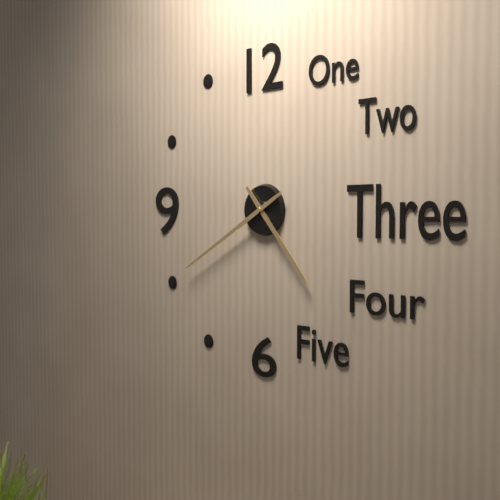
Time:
h=4 m=40
